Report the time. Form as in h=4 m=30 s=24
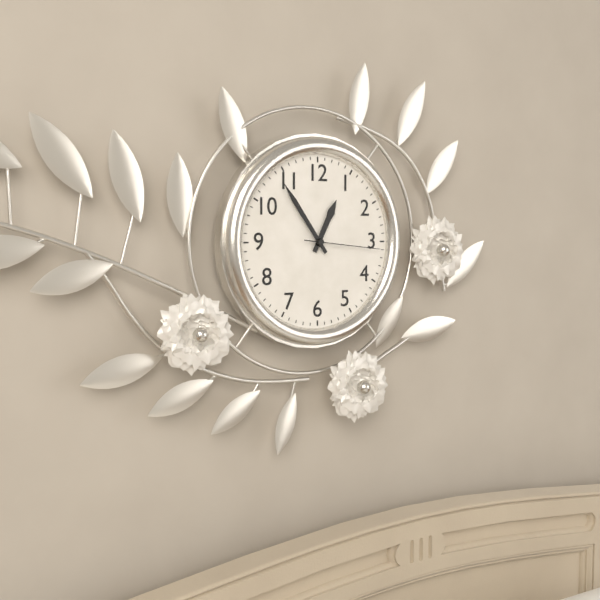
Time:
h=12 m=54 s=16
